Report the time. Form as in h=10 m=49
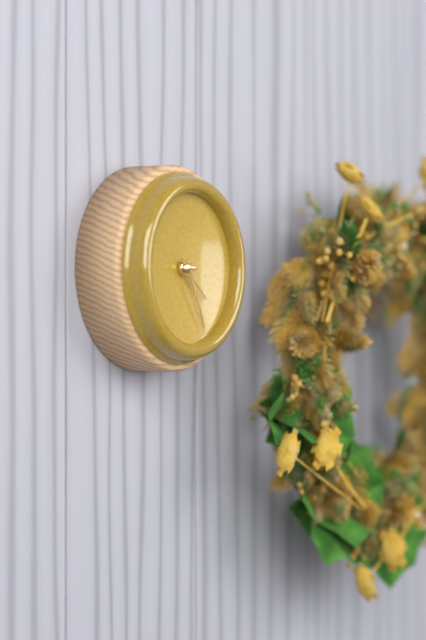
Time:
h=4 m=26
